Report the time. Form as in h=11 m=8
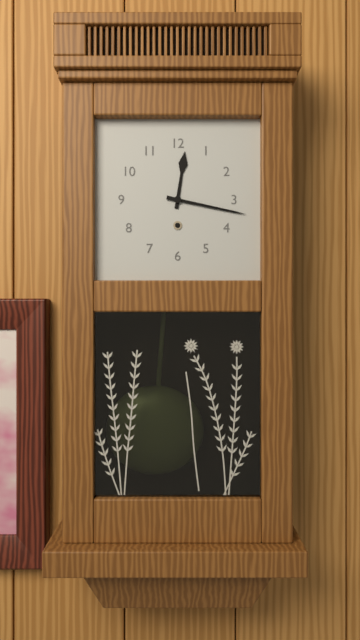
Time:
h=12 m=17
